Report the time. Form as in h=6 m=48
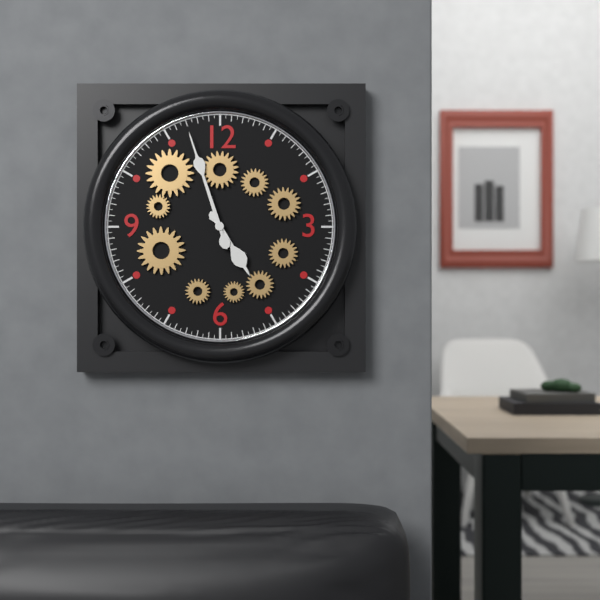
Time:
h=4 m=57
